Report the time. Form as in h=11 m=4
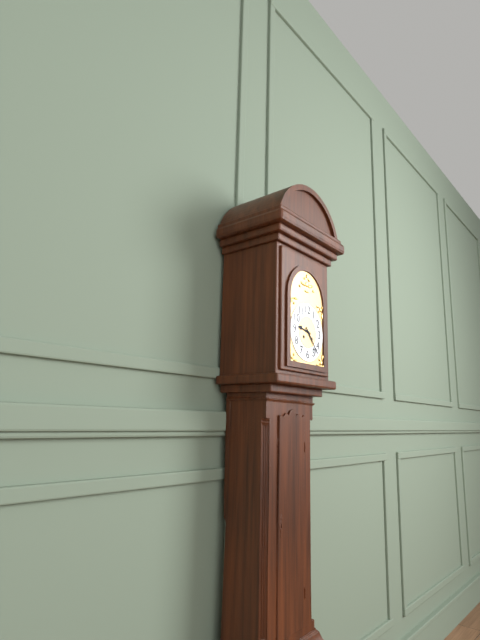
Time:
h=9 m=23
